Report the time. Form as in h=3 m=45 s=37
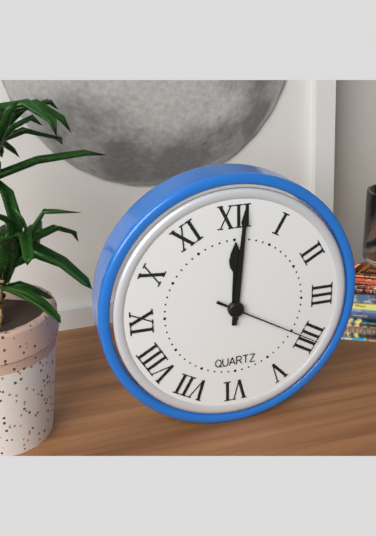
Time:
h=12 m=1 s=20
